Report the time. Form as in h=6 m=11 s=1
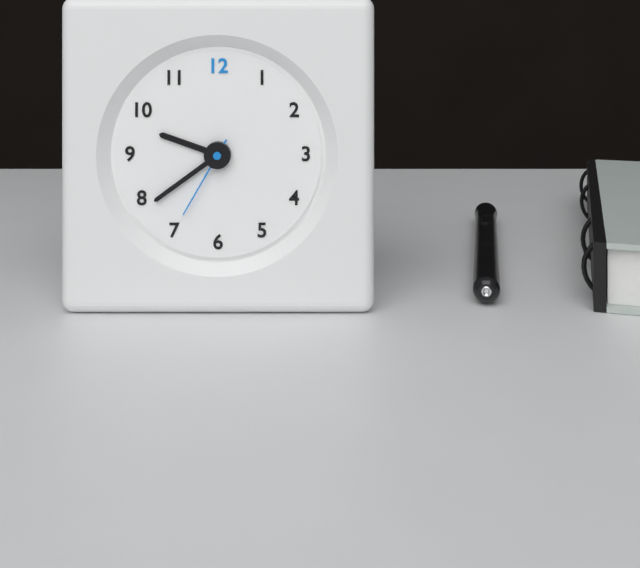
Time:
h=9 m=39 s=35
